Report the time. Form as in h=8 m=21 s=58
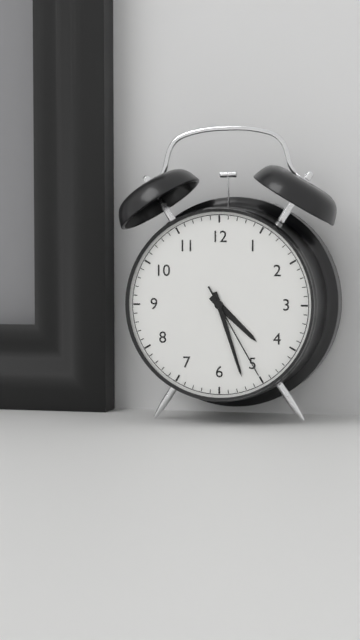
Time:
h=4 m=27 s=25
